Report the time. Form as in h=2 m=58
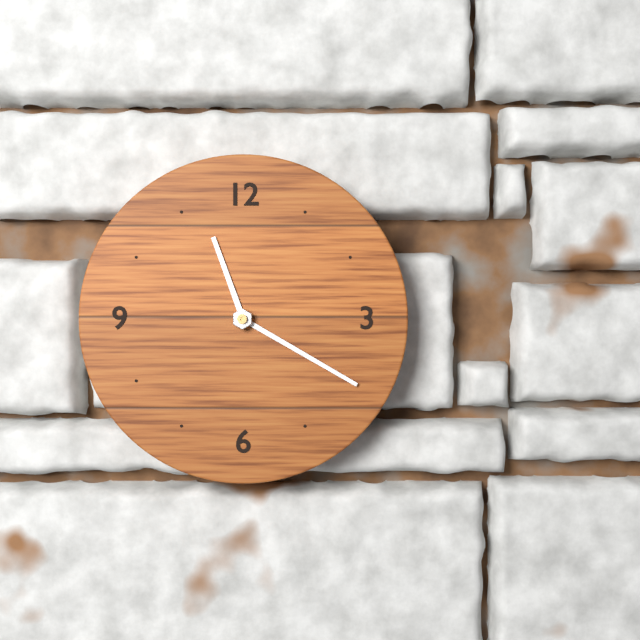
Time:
h=11 m=20
